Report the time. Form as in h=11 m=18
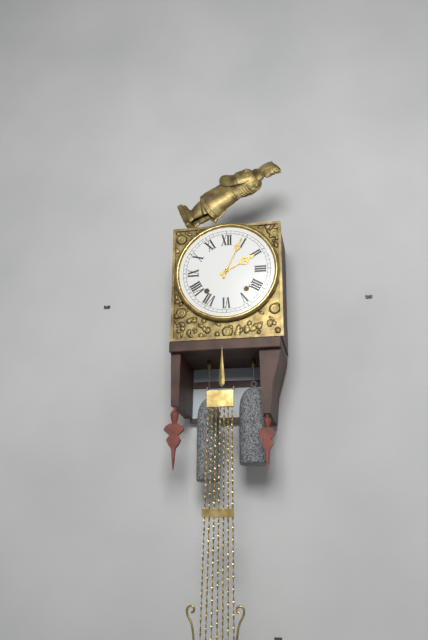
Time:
h=2 m=4
